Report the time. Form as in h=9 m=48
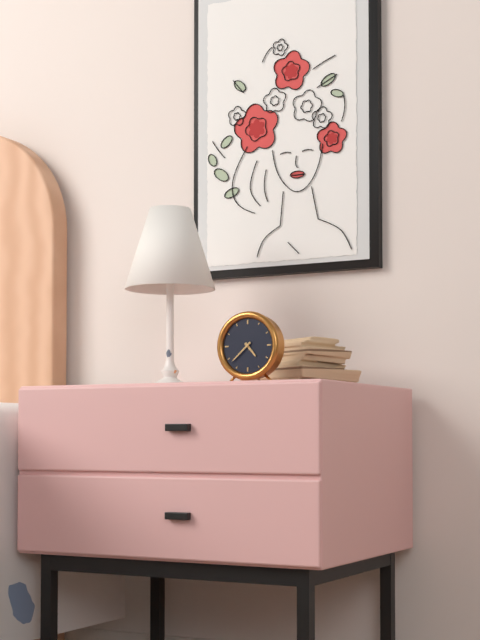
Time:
h=4 m=38
